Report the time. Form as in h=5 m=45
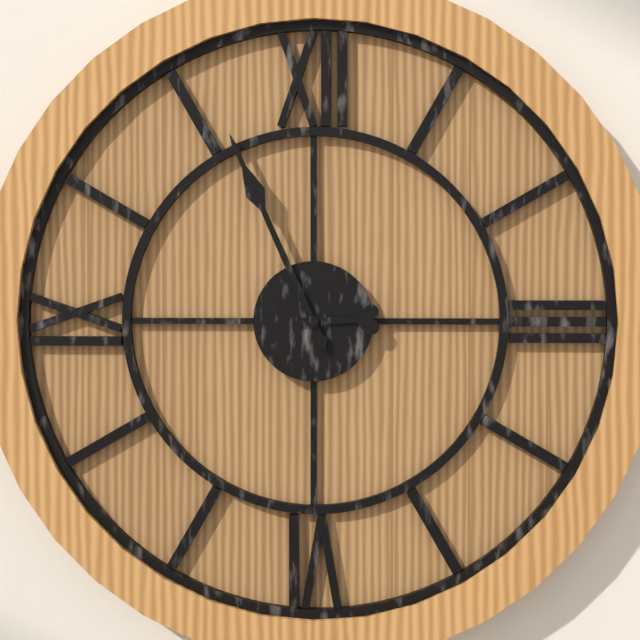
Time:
h=2 m=56
